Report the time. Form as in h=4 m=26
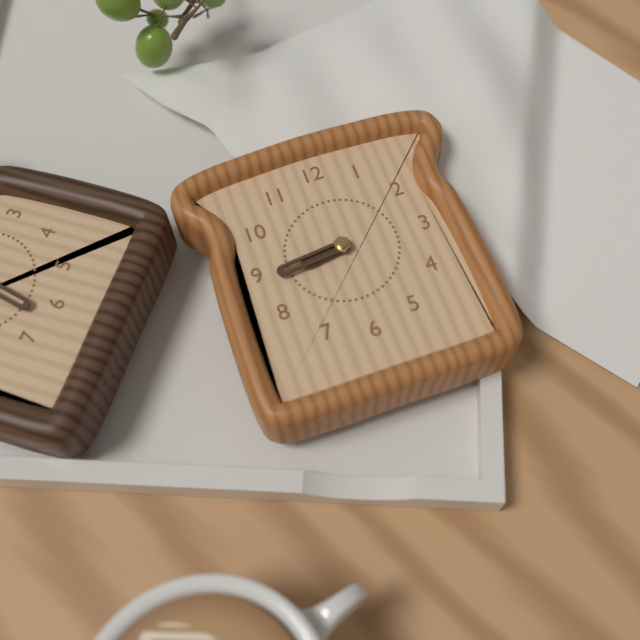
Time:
h=8 m=44
